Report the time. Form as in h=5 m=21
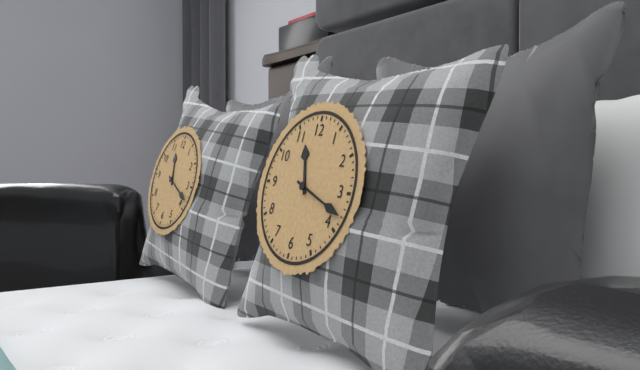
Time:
h=11 m=18
